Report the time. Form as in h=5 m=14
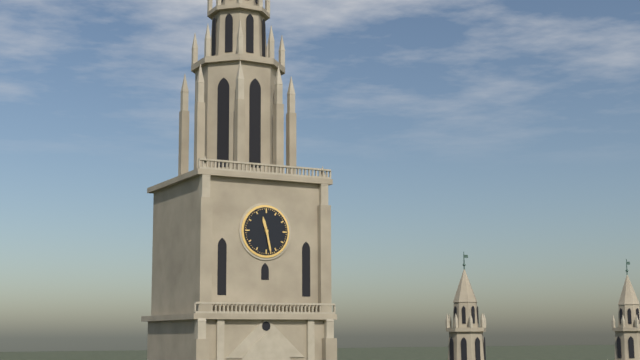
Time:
h=11 m=28
